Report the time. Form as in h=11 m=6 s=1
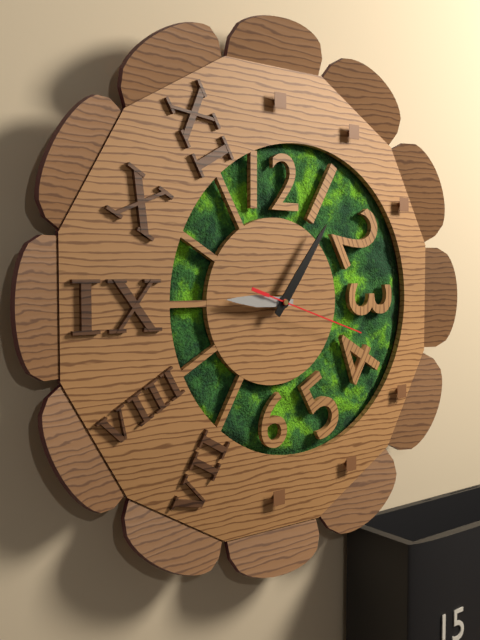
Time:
h=9 m=6 s=18
